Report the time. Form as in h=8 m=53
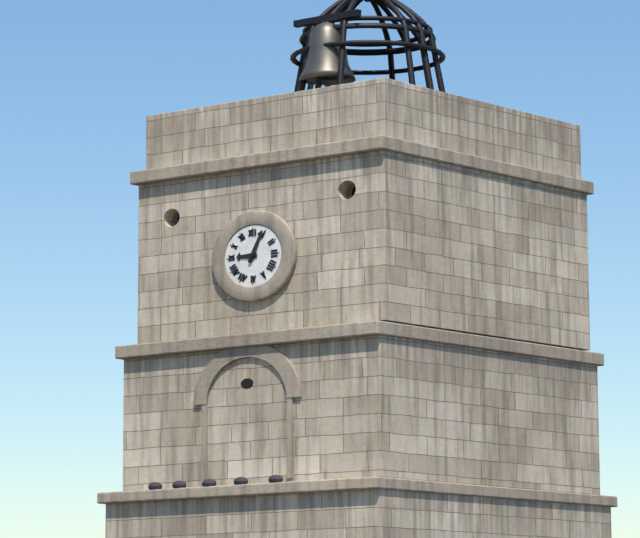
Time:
h=9 m=4
